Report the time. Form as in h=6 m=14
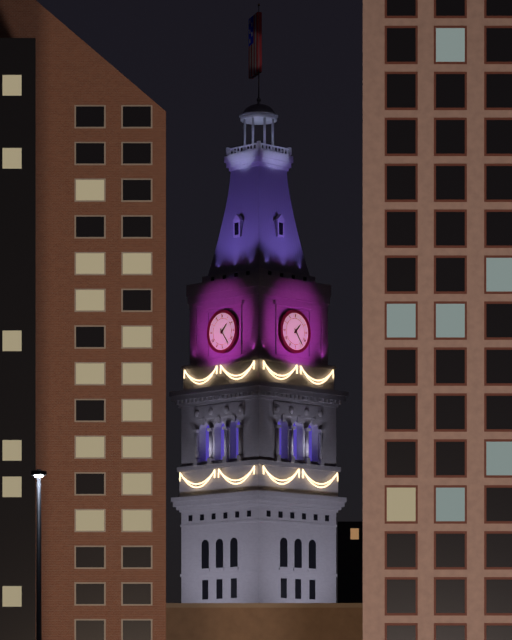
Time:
h=1 m=24
